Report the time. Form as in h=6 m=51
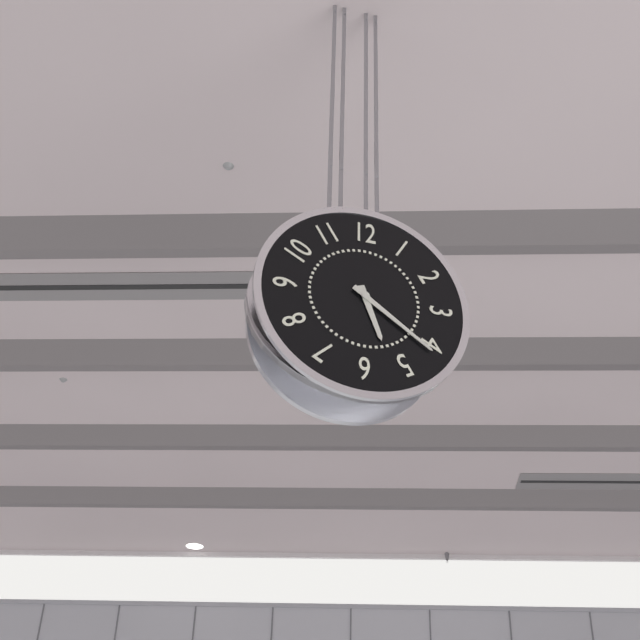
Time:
h=5 m=21
